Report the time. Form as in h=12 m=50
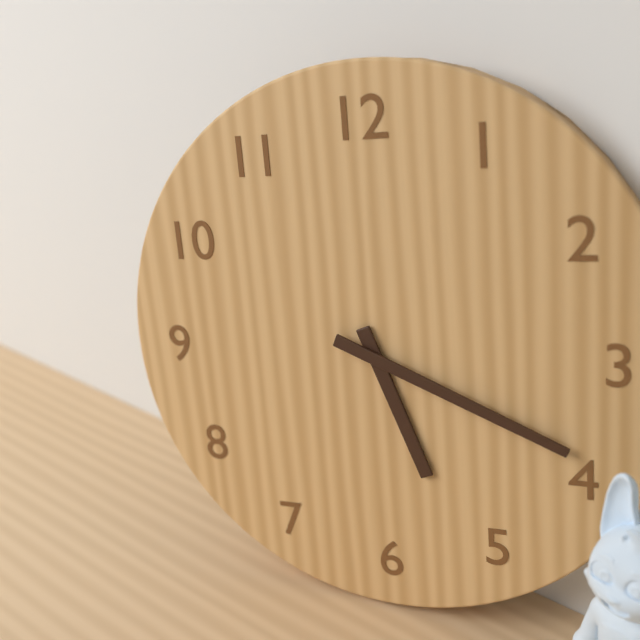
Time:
h=5 m=19
